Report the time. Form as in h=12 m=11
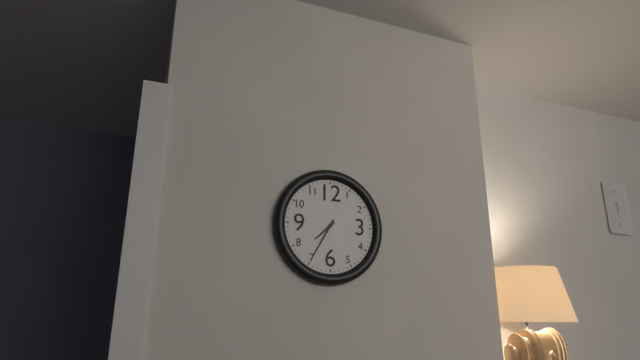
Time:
h=7 m=35
